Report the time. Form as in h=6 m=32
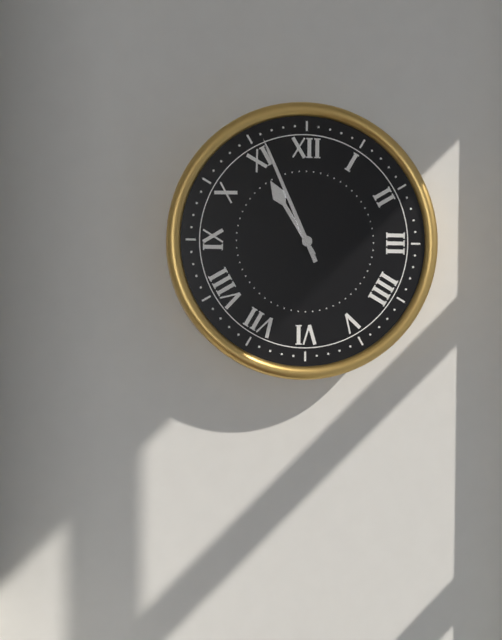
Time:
h=10 m=56
